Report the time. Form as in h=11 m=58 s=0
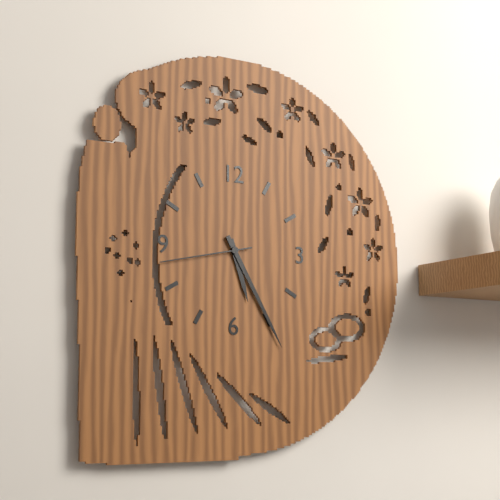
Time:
h=5 m=25 s=43
